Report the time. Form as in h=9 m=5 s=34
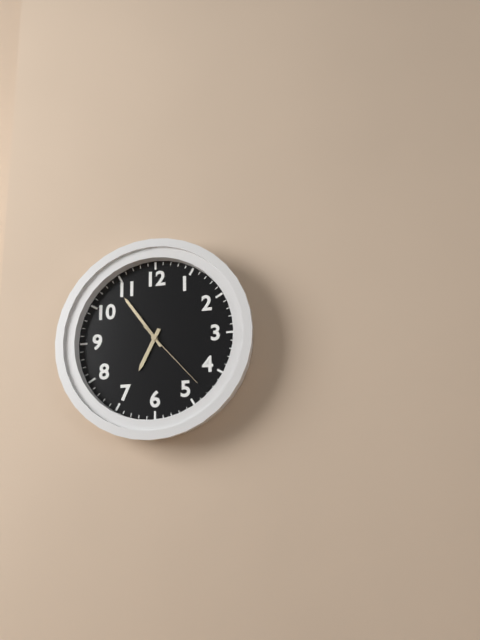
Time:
h=6 m=54 s=23
